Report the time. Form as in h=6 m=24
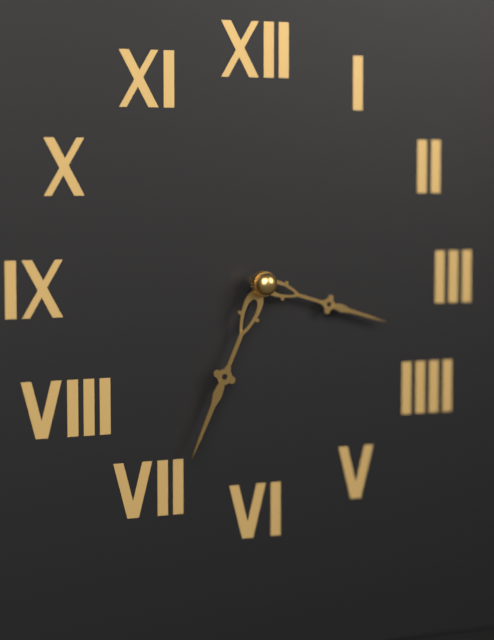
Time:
h=3 m=34
